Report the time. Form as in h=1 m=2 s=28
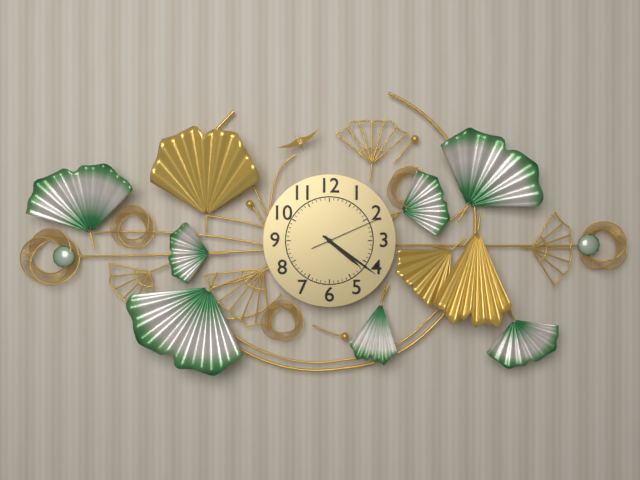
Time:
h=4 m=21 s=11
